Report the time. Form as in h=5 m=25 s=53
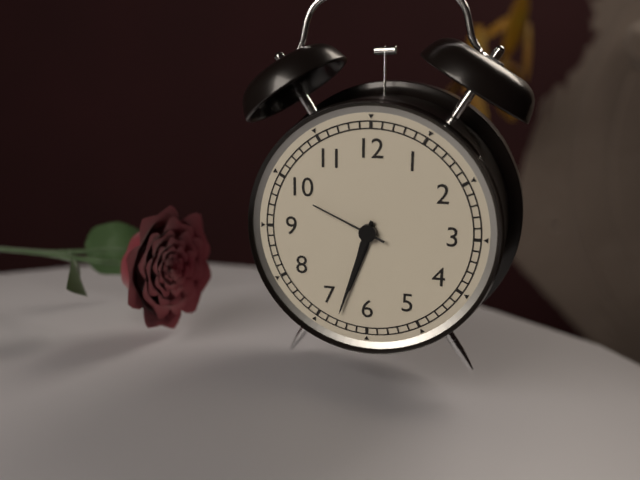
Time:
h=6 m=33 s=49
